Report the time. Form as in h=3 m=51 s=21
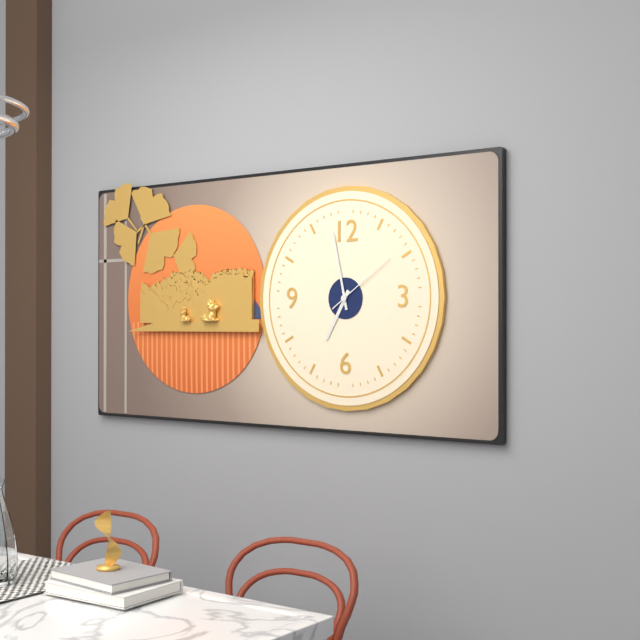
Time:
h=6 m=58 s=9
